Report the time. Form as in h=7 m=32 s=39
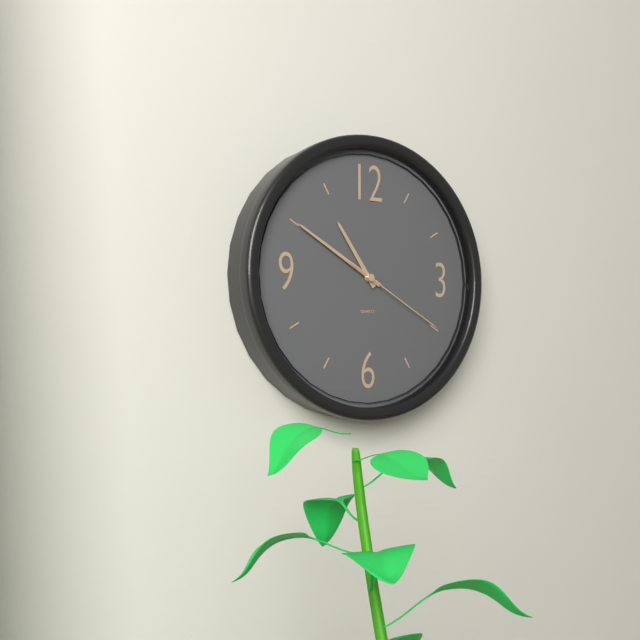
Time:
h=10 m=50 s=20
